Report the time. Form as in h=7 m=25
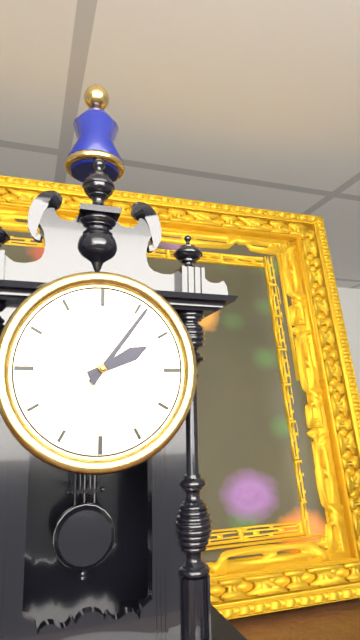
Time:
h=2 m=6
